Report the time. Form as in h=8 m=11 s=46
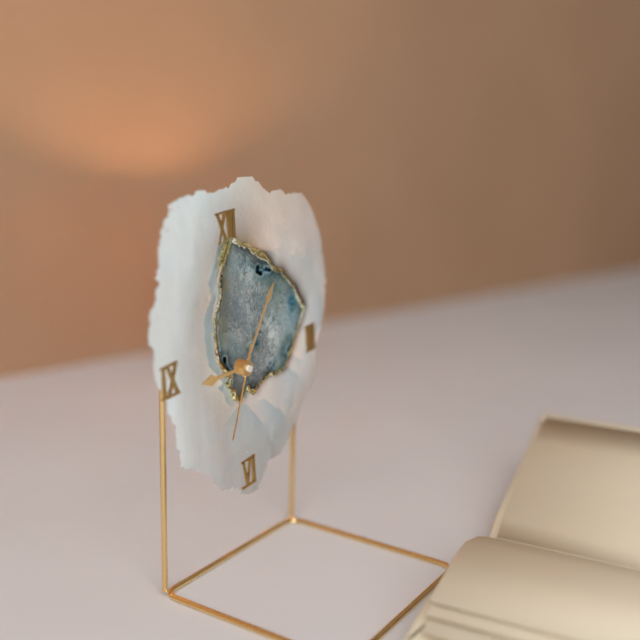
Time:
h=9 m=6 s=34
